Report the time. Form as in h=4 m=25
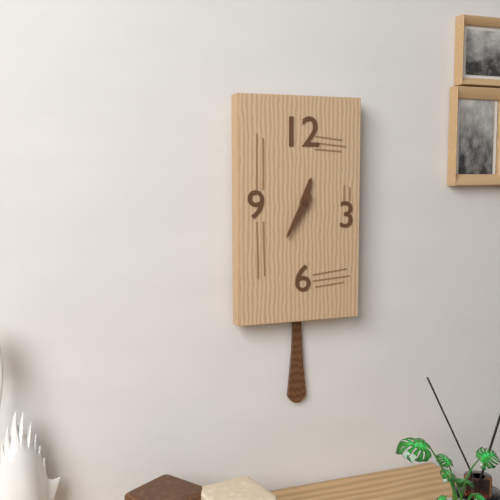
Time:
h=12 m=35
